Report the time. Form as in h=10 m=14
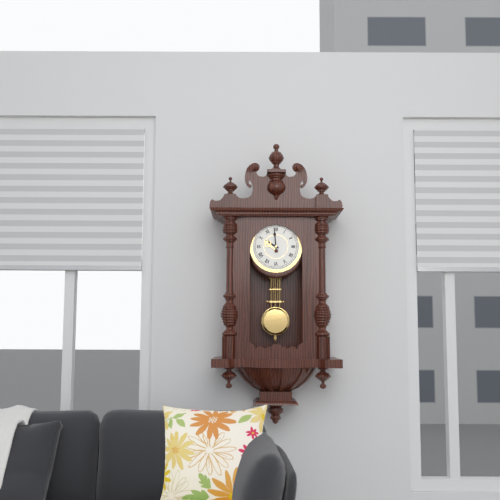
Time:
h=9 m=59
